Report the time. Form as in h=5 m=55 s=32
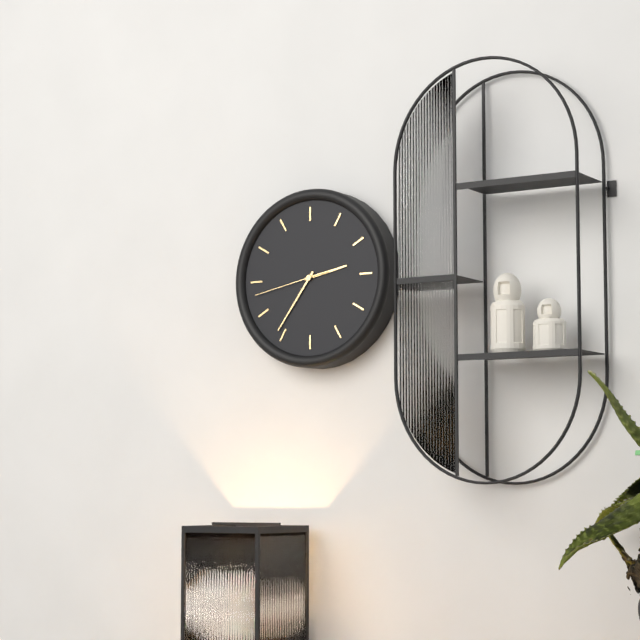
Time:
h=2 m=36 s=43
